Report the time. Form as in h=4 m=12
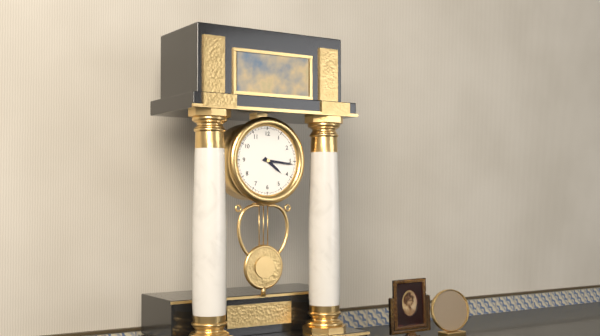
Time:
h=4 m=16
